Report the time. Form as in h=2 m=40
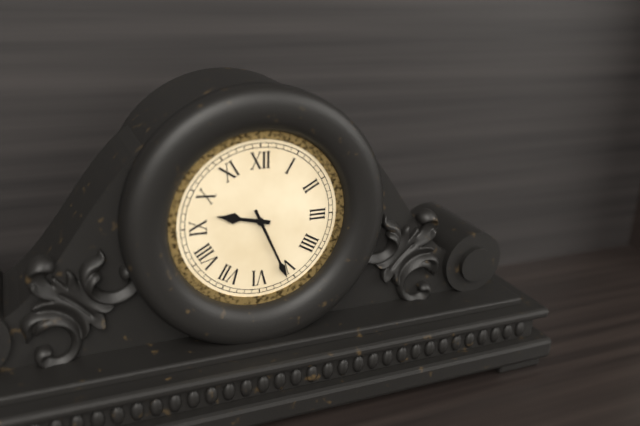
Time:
h=9 m=26
